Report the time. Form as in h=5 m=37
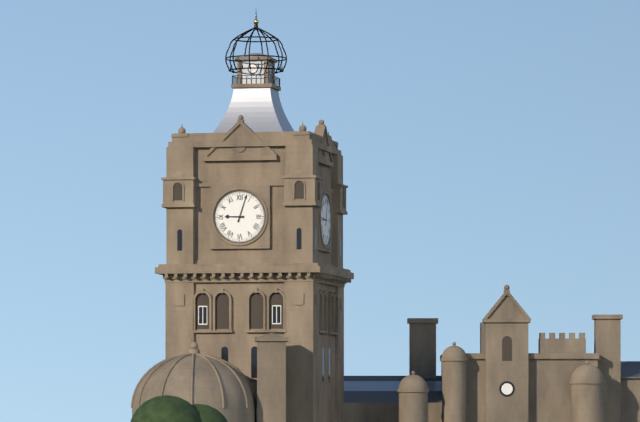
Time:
h=9 m=3
